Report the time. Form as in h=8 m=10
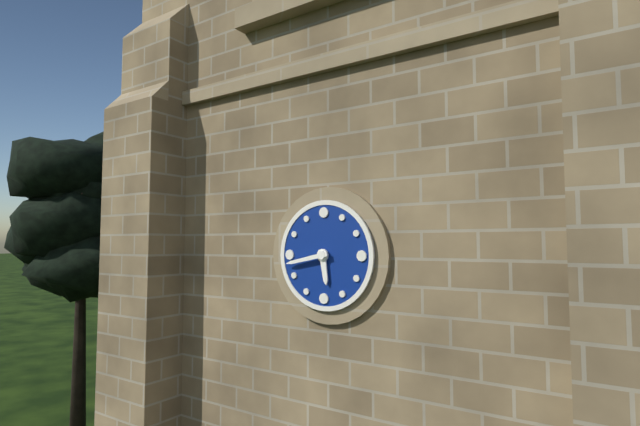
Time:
h=5 m=43
